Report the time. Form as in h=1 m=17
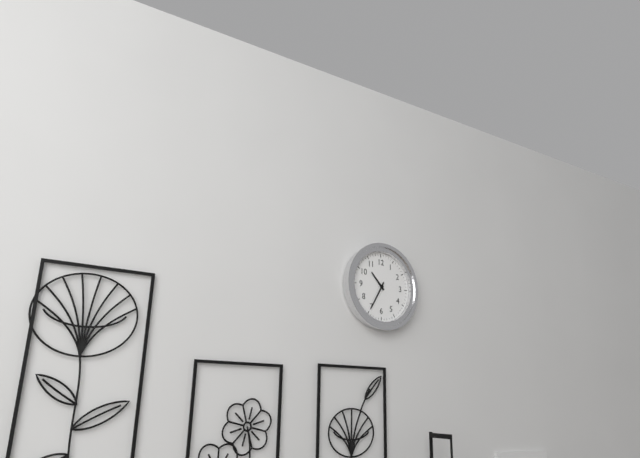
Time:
h=10 m=35
